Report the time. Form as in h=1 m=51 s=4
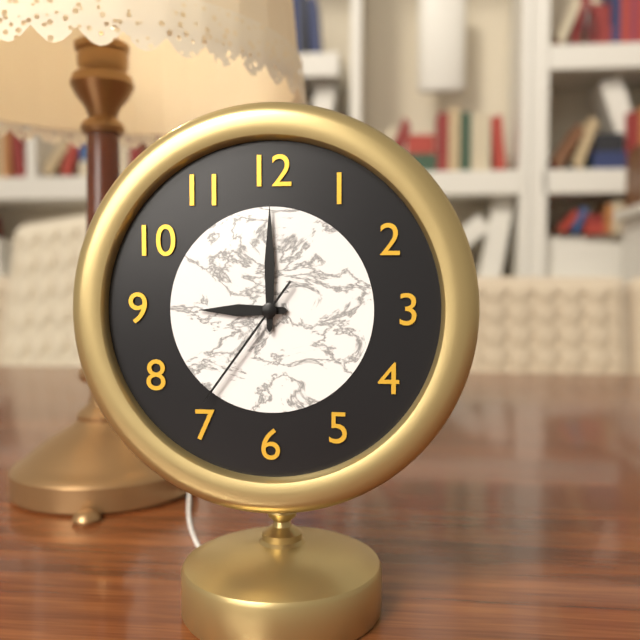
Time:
h=9 m=0 s=36
